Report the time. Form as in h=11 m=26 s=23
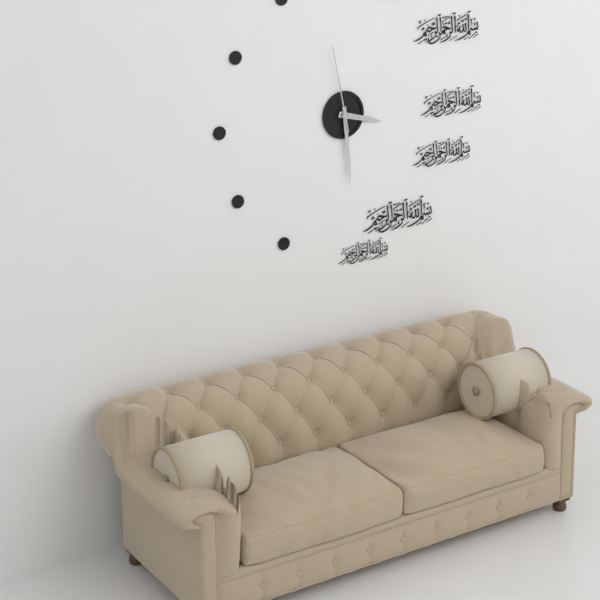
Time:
h=3 m=29 s=58
